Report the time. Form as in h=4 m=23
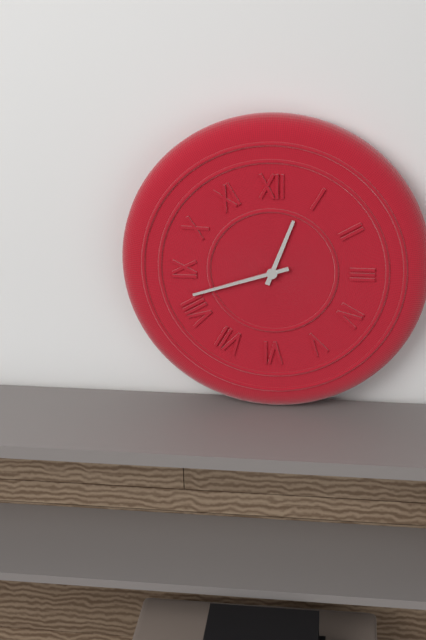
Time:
h=12 m=42
